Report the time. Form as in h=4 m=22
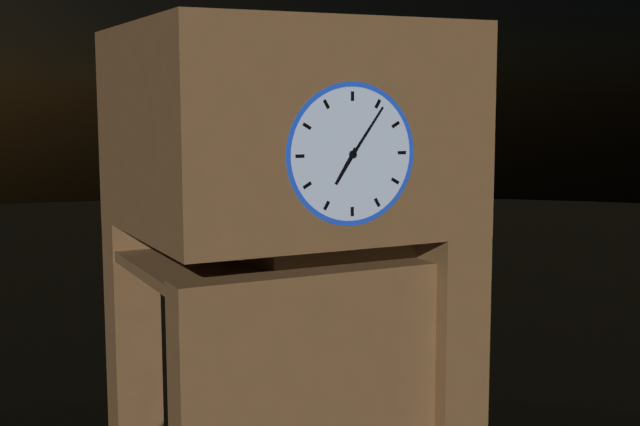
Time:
h=7 m=6
